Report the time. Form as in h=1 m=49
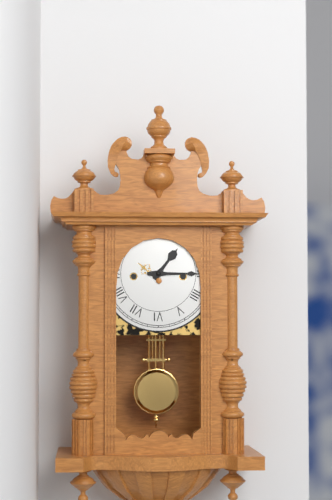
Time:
h=1 m=15
